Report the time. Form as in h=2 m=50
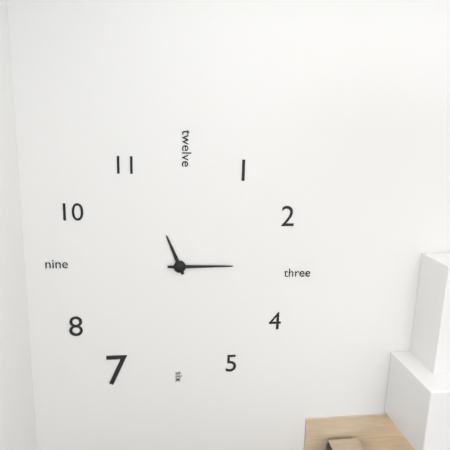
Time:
h=11 m=15
